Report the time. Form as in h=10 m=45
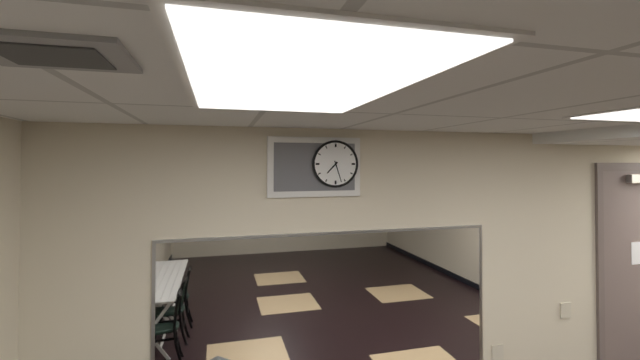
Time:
h=7 m=27
